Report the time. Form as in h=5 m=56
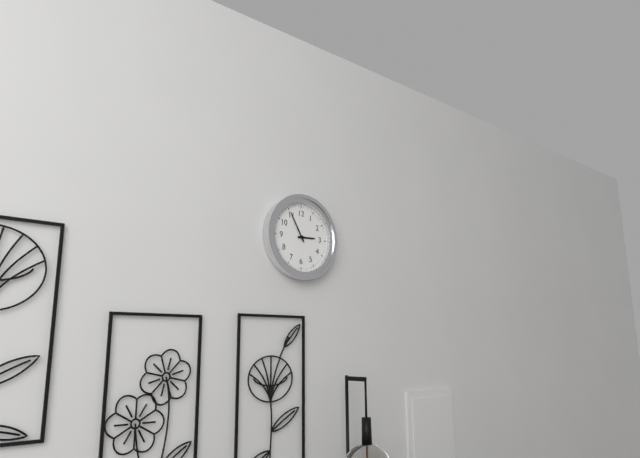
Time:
h=2 m=55
